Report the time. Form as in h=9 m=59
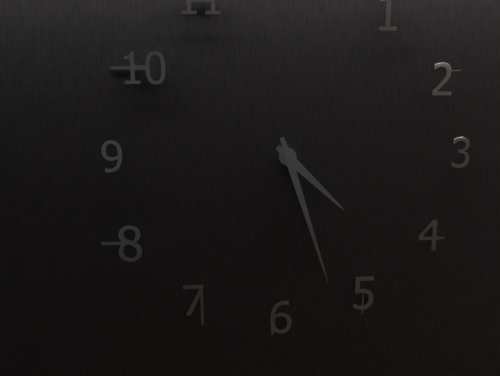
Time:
h=4 m=27
